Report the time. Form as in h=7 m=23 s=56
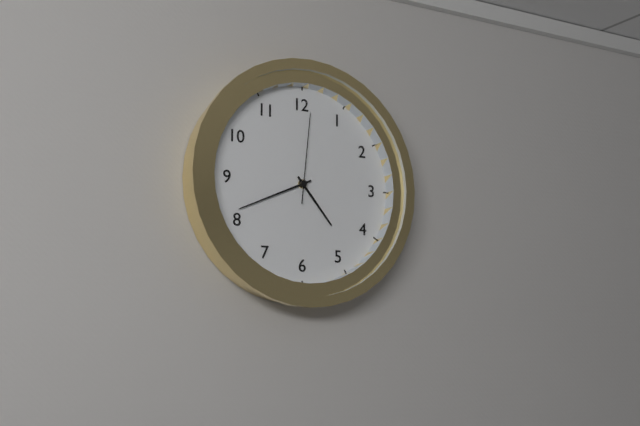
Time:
h=4 m=41 s=1
